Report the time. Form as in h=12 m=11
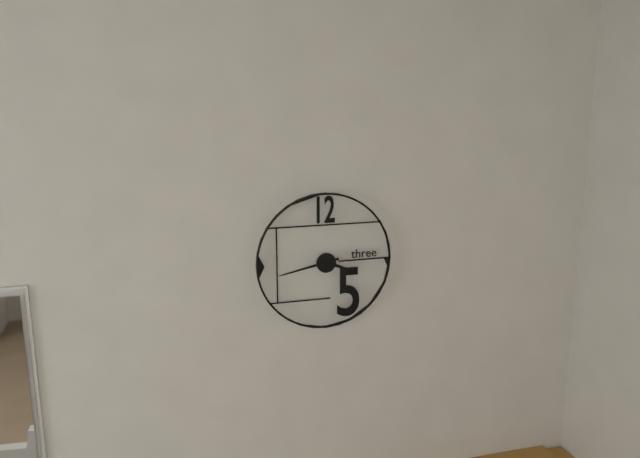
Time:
h=3 m=43
